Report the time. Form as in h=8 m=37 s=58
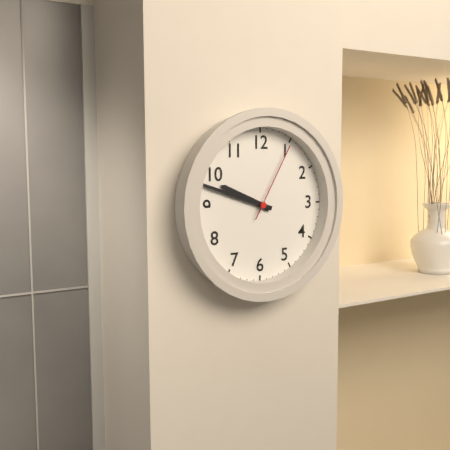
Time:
h=9 m=48 s=5
